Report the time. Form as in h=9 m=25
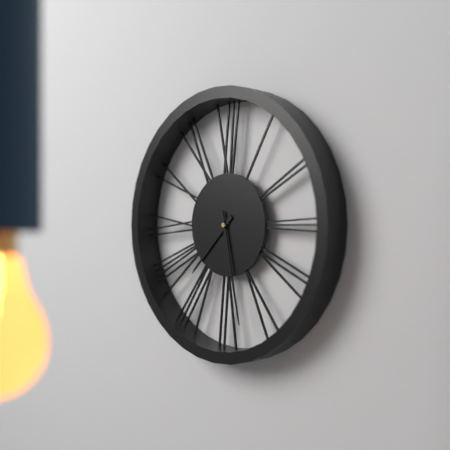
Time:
h=7 m=28
